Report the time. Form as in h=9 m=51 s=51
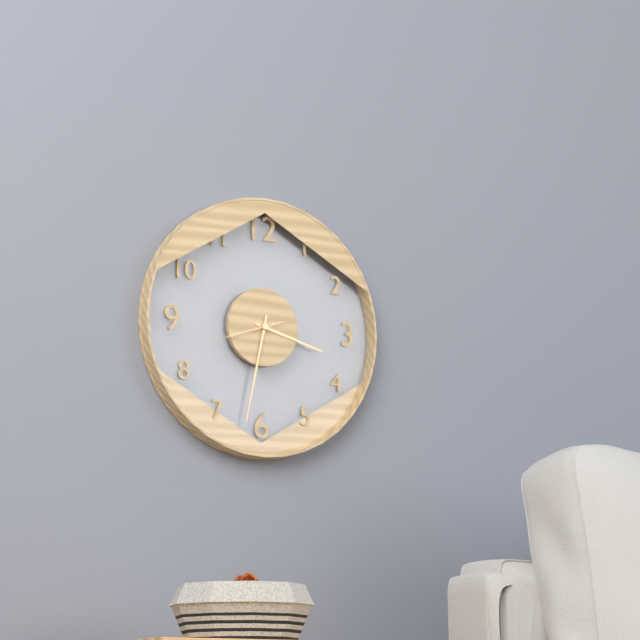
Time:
h=3 m=32 s=42
